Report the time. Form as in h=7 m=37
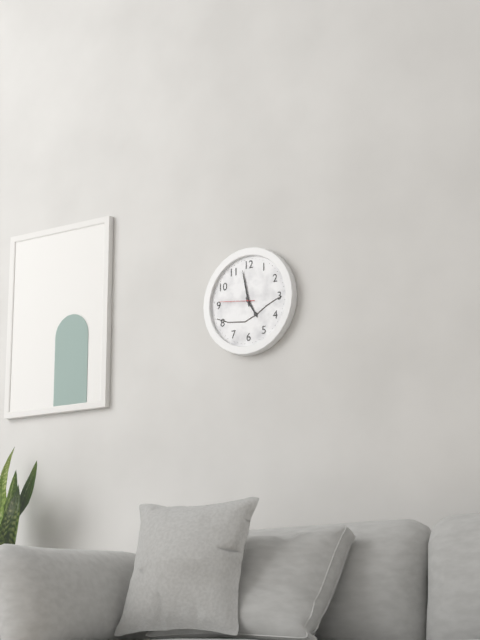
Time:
h=4 m=58
